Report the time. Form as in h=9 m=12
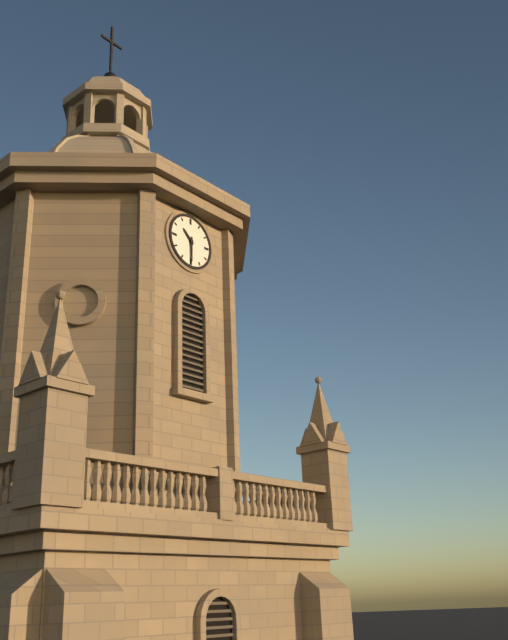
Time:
h=10 m=30
